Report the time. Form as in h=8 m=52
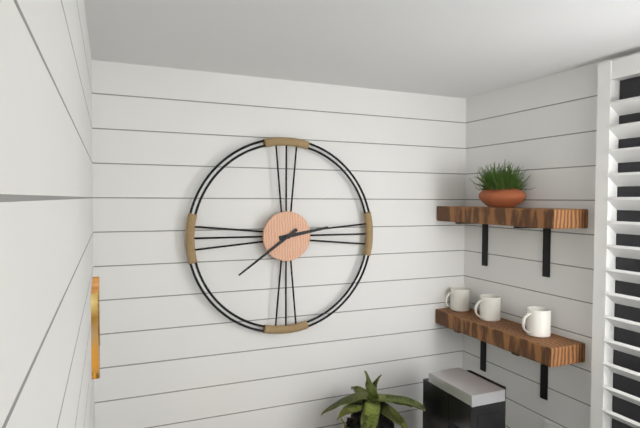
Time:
h=2 m=39
